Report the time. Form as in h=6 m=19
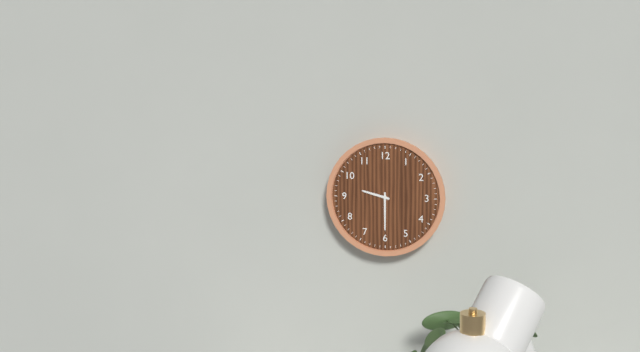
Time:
h=9 m=30
